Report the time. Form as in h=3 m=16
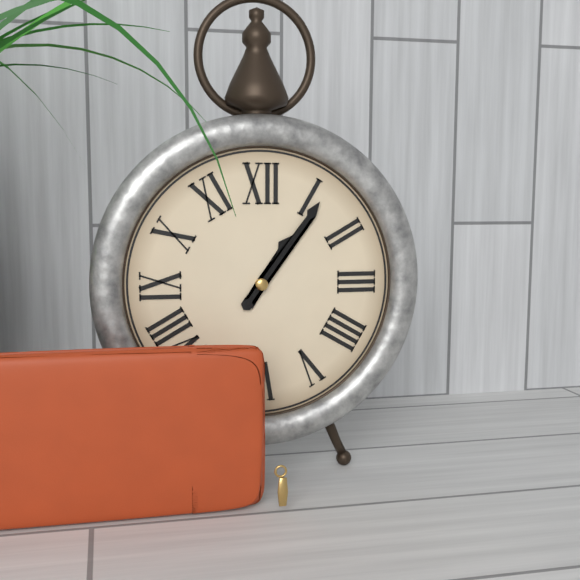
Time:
h=1 m=6
